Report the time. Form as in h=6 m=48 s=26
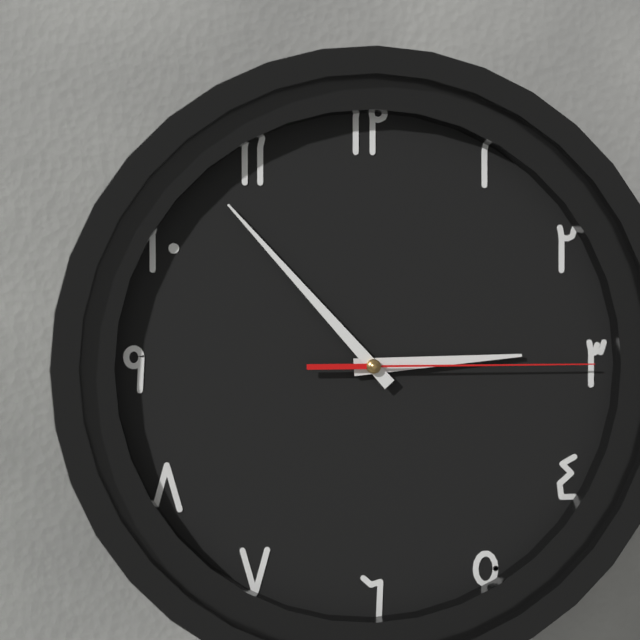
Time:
h=2 m=53 s=15
